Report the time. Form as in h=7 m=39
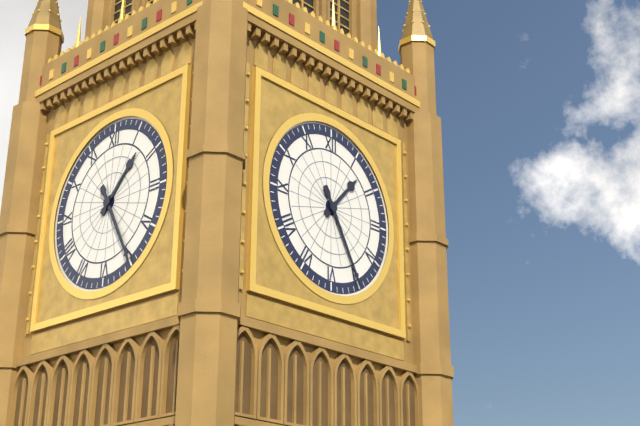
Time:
h=1 m=25
